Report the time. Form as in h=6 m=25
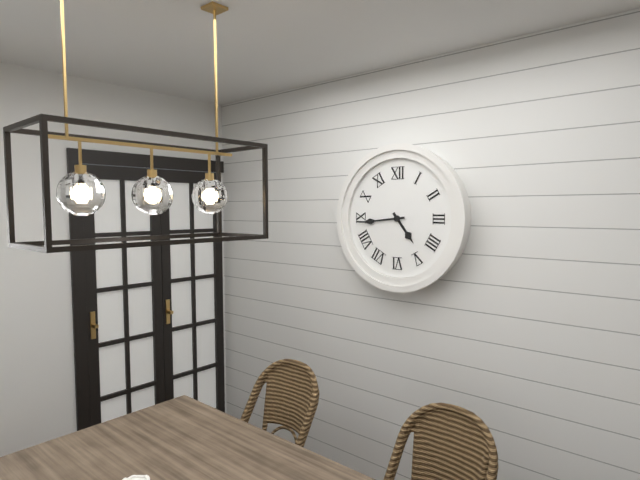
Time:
h=4 m=44
